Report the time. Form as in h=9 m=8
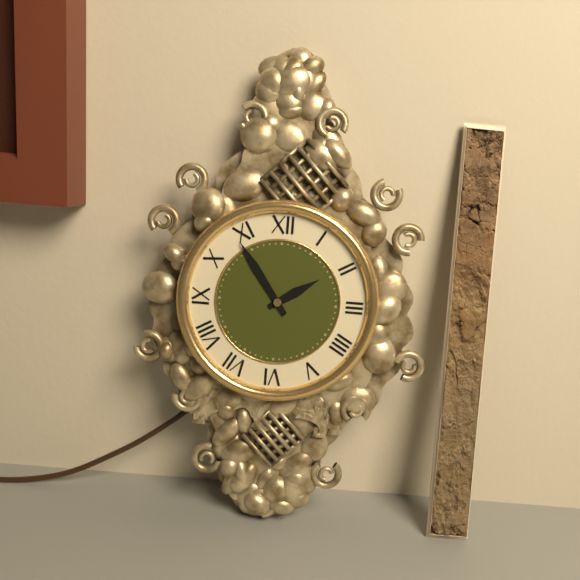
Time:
h=1 m=54
